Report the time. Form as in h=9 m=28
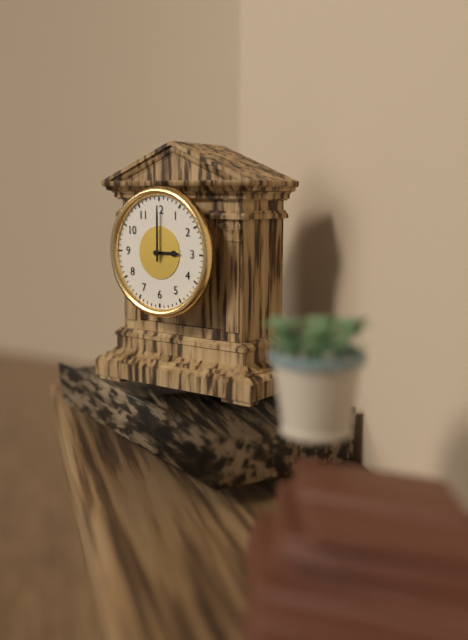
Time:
h=3 m=0
